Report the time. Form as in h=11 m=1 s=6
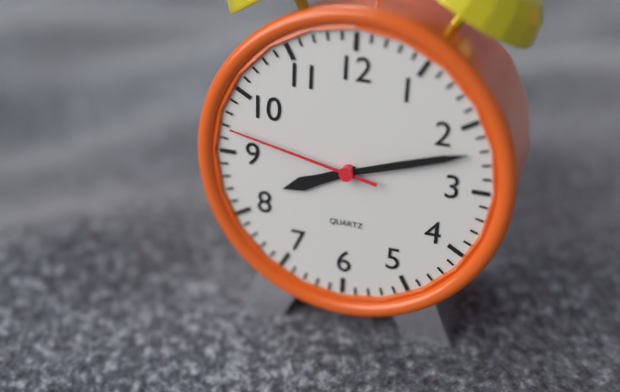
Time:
h=8 m=12 s=47
